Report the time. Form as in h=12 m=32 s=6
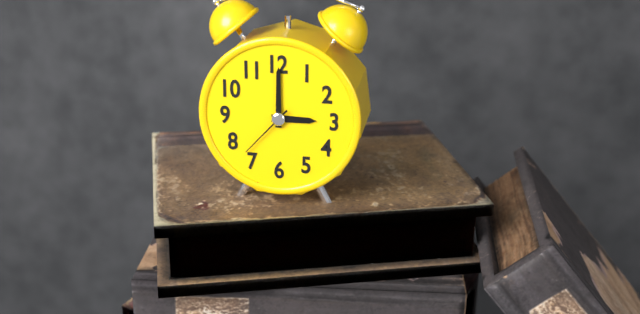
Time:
h=3 m=0 s=37
